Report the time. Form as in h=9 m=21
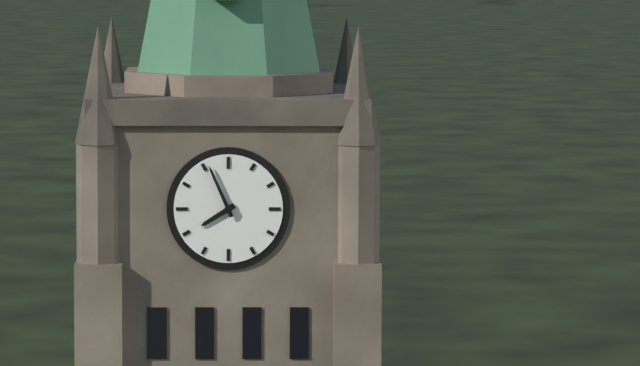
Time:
h=7 m=56
